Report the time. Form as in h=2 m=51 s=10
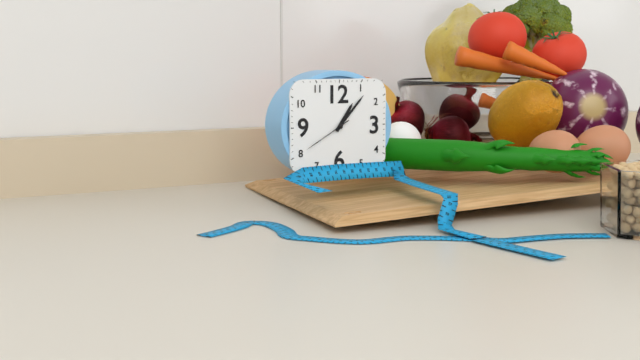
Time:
h=1 m=7 s=40
